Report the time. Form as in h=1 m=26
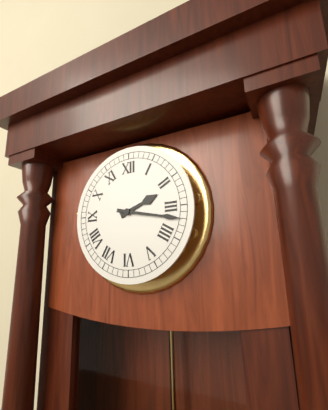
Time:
h=2 m=17
